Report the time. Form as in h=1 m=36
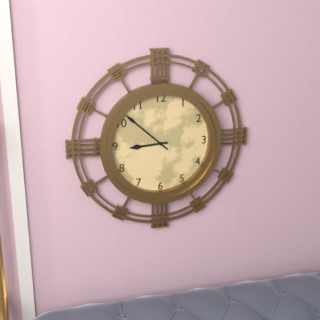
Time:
h=8 m=52
